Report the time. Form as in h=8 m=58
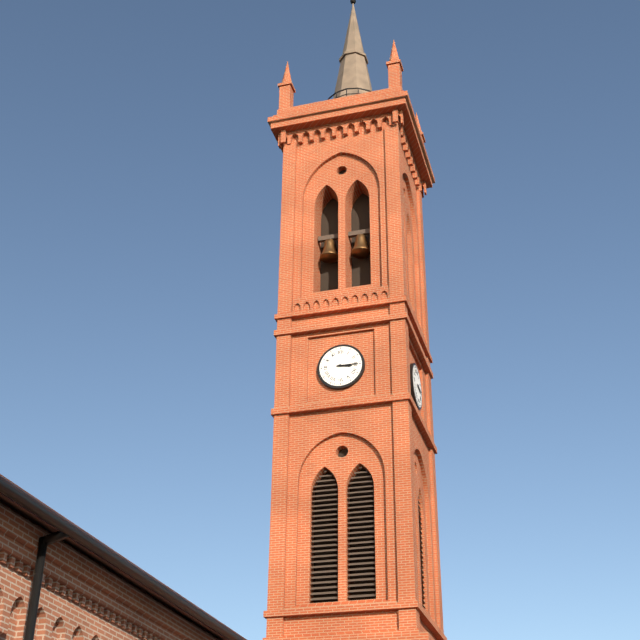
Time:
h=3 m=15
